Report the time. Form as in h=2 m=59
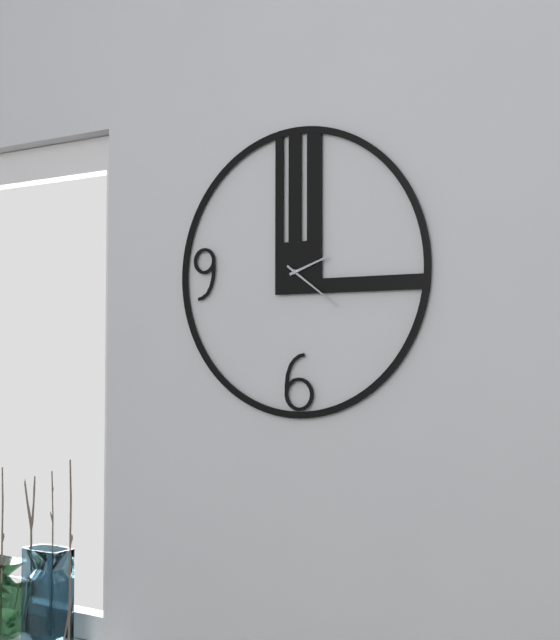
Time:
h=2 m=21
